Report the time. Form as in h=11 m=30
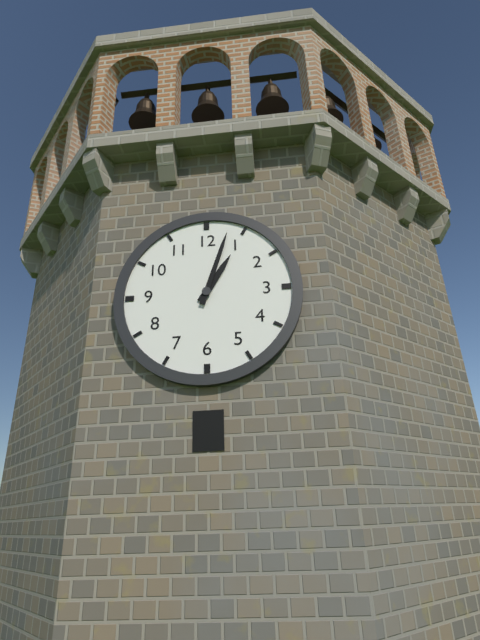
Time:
h=1 m=3
